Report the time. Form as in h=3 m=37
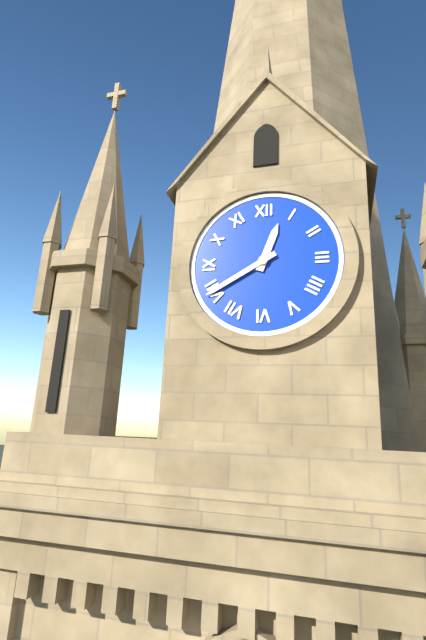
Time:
h=12 m=40
